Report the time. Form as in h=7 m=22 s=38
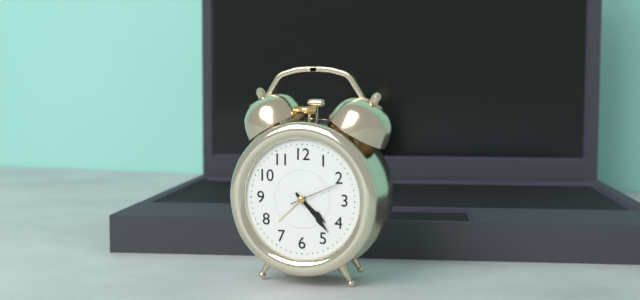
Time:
h=4 m=23 s=11
